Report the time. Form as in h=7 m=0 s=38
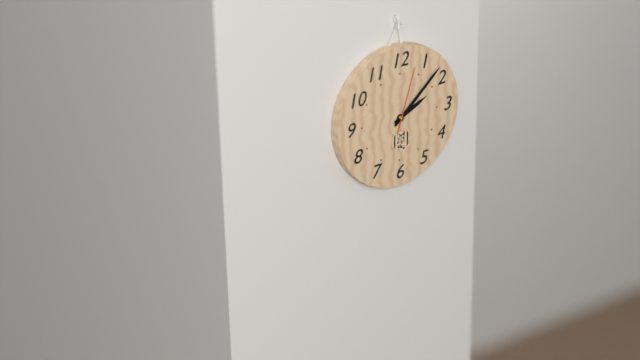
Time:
h=2 m=8 s=3
